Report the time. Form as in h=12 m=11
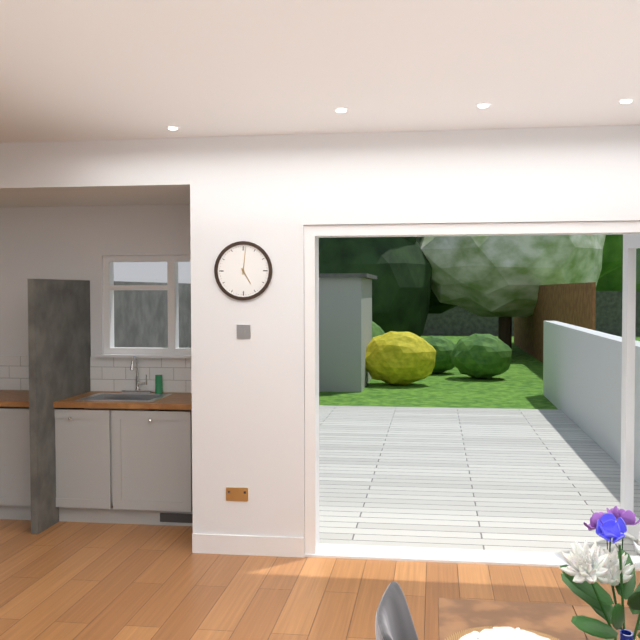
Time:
h=5 m=1
